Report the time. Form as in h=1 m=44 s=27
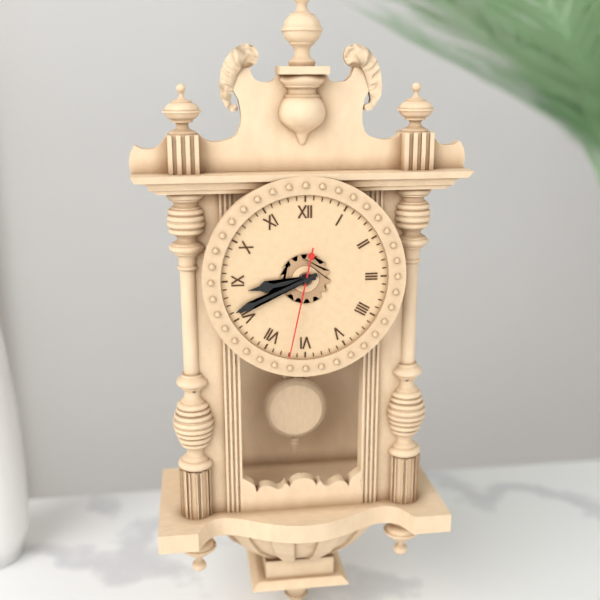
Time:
h=8 m=41 s=32
